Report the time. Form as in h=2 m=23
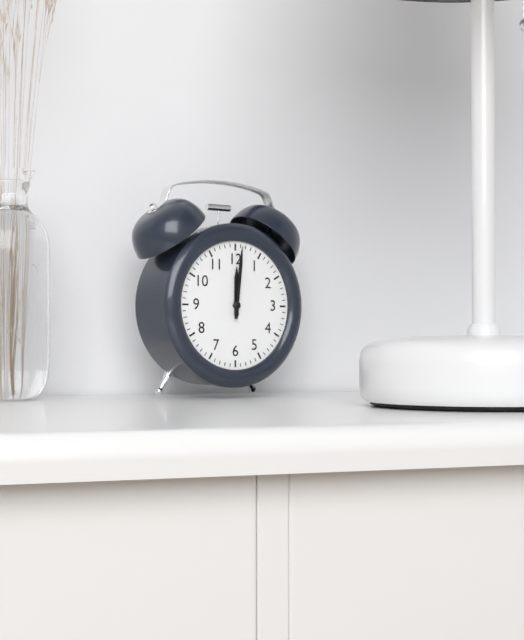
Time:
h=12 m=1
